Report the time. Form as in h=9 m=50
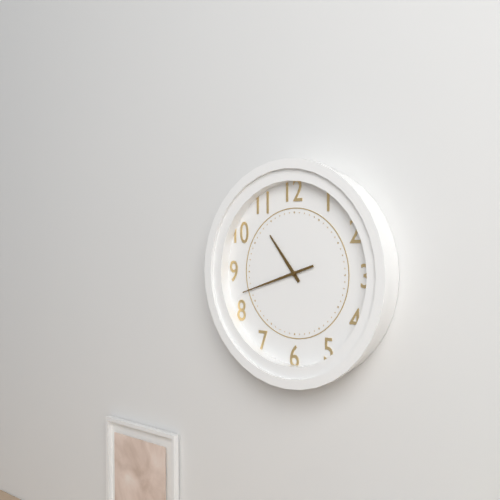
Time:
h=10 m=42
